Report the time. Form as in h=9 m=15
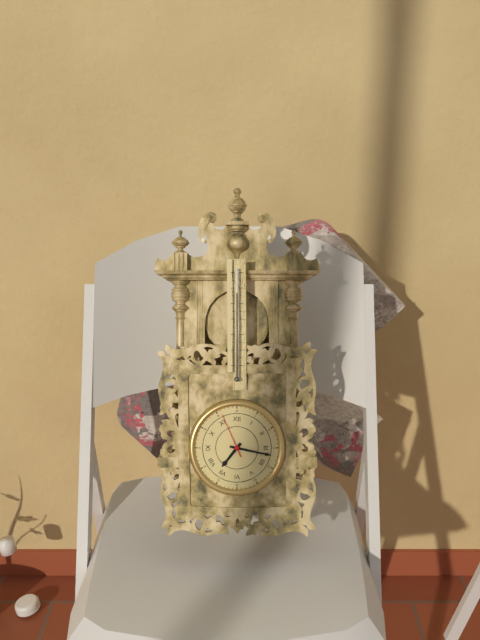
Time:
h=7 m=17
